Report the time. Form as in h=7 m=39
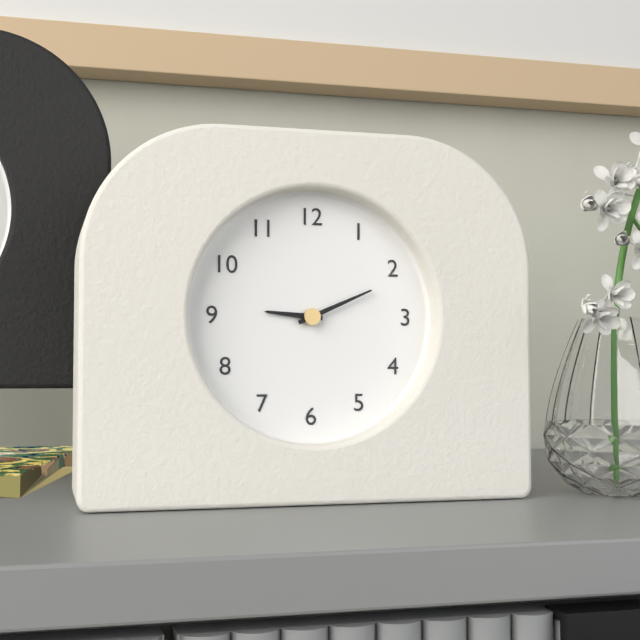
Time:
h=9 m=11
